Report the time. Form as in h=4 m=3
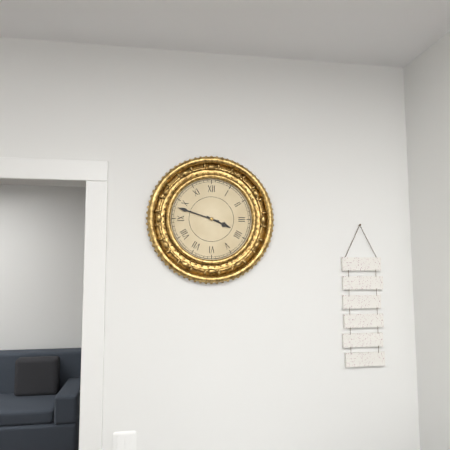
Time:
h=3 m=48
